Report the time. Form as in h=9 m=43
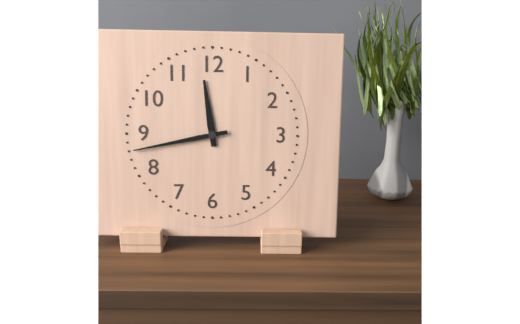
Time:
h=11 m=43
